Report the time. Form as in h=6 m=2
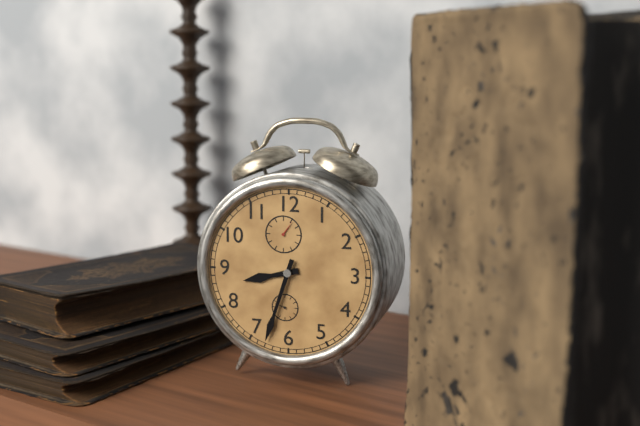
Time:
h=8 m=33
